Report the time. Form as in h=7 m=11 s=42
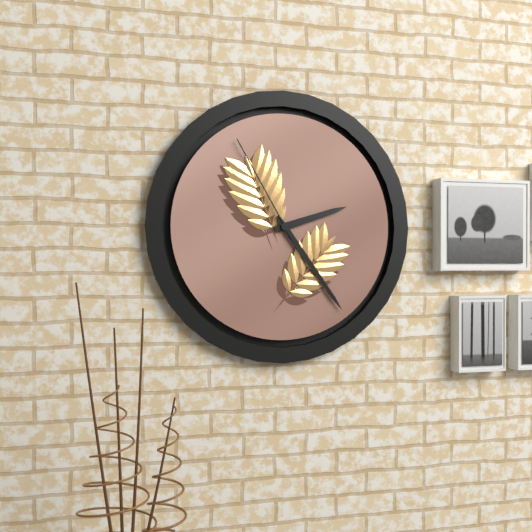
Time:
h=2 m=24 s=55
